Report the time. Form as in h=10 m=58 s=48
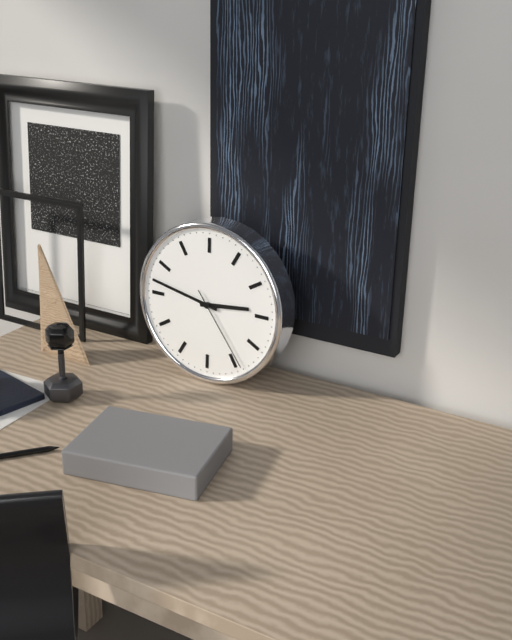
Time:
h=2 m=47 s=24
